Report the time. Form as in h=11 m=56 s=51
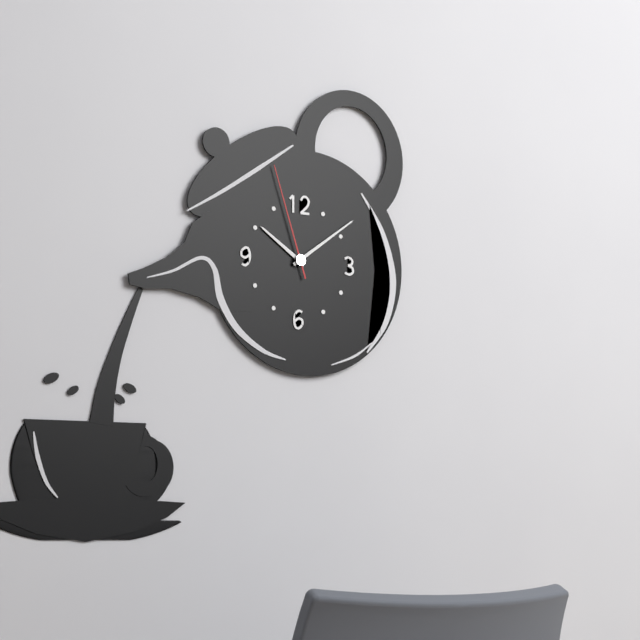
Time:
h=10 m=9 s=57
